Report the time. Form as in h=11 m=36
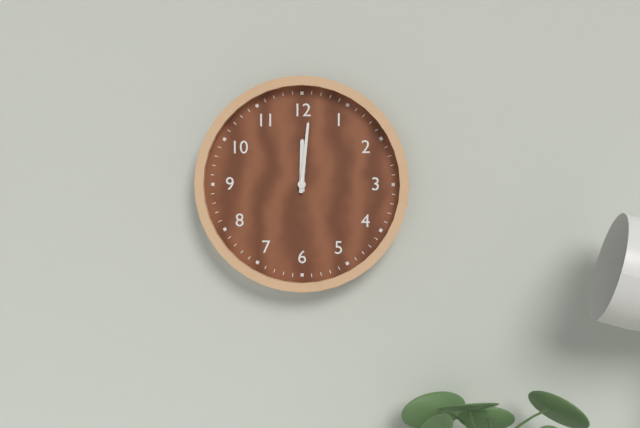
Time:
h=12 m=1
